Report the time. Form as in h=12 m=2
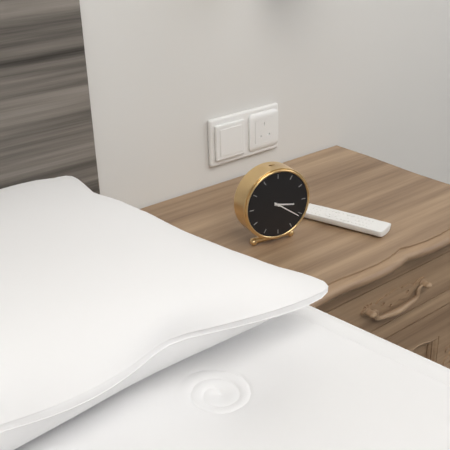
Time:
h=3 m=21
